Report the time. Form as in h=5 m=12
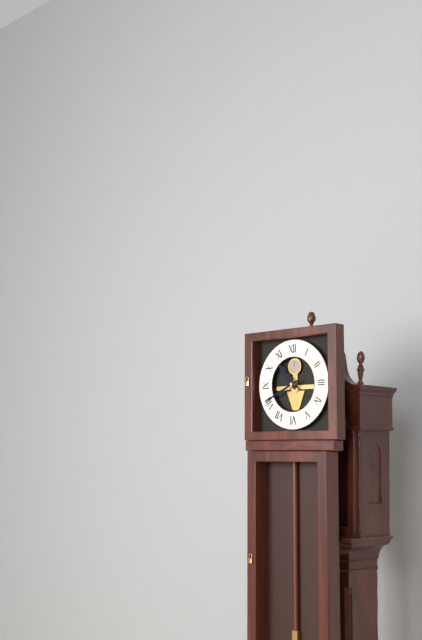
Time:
h=10 m=41
